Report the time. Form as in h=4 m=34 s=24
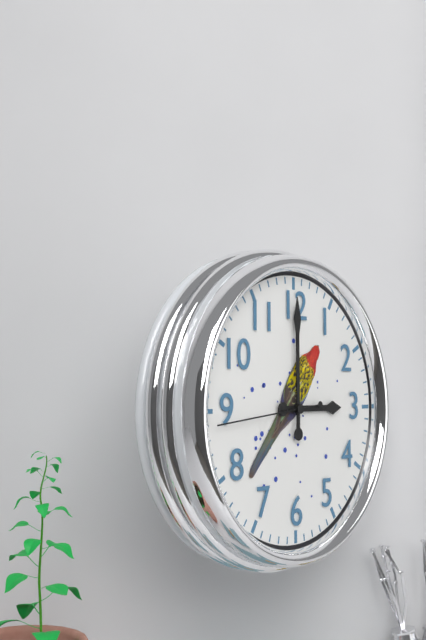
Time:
h=3 m=0 s=44
